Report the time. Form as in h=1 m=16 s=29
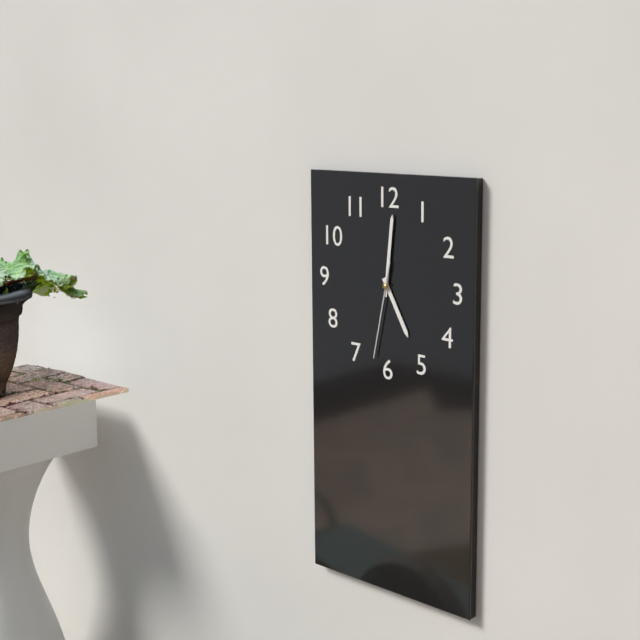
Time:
h=5 m=1 s=32
